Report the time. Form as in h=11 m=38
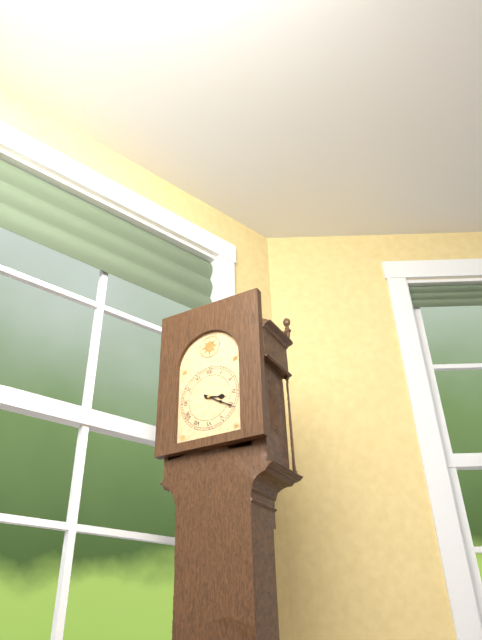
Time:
h=3 m=20
